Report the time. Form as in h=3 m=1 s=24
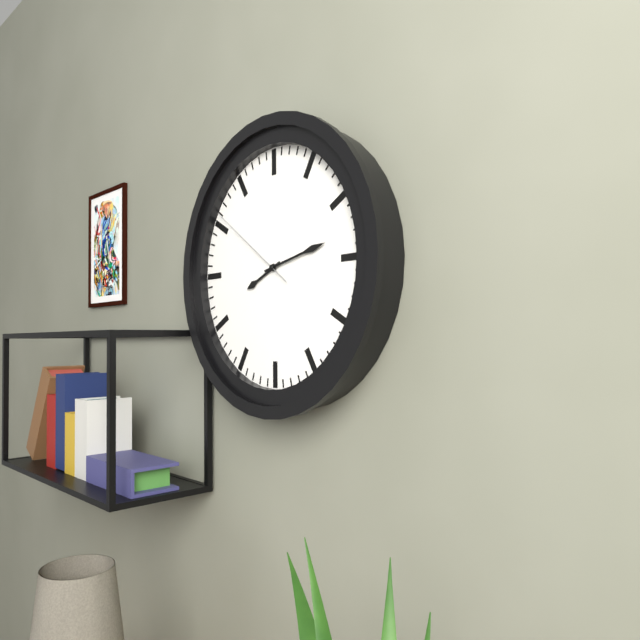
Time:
h=8 m=13 s=51
